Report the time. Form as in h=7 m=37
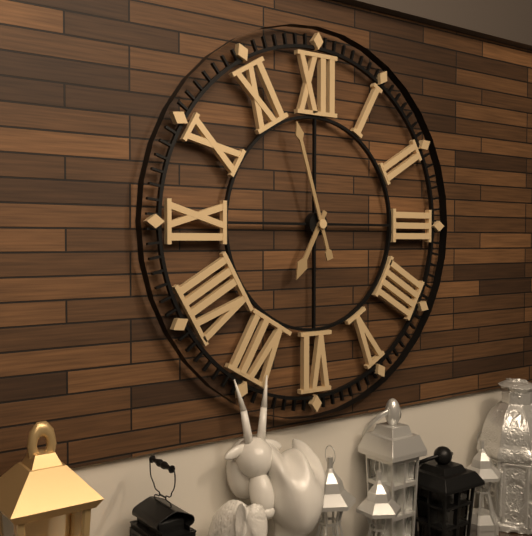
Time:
h=6 m=57
